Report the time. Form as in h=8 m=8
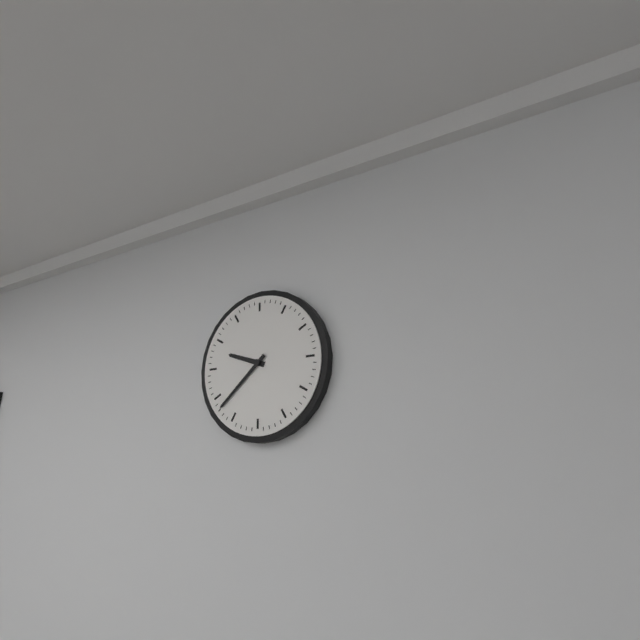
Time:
h=9 m=38
